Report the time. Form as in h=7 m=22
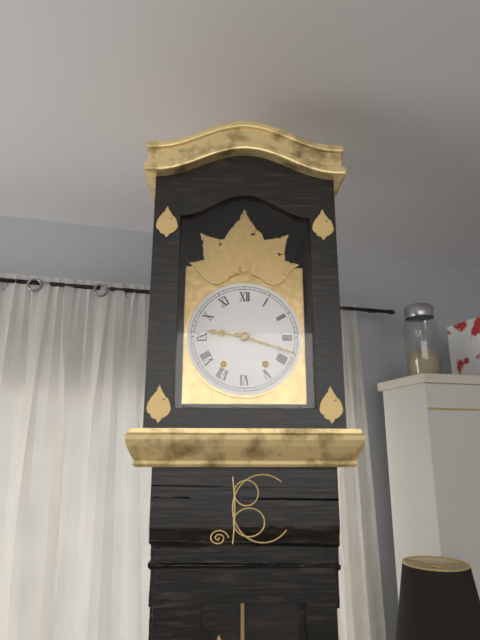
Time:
h=9 m=18
